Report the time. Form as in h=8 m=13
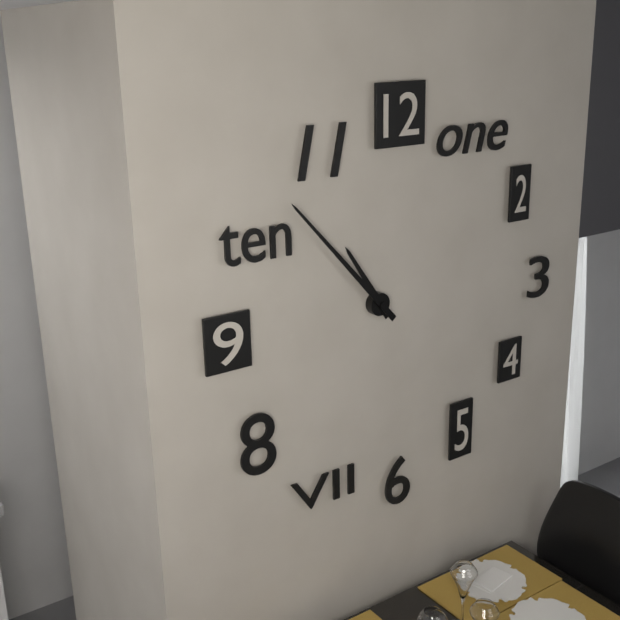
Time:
h=10 m=53
